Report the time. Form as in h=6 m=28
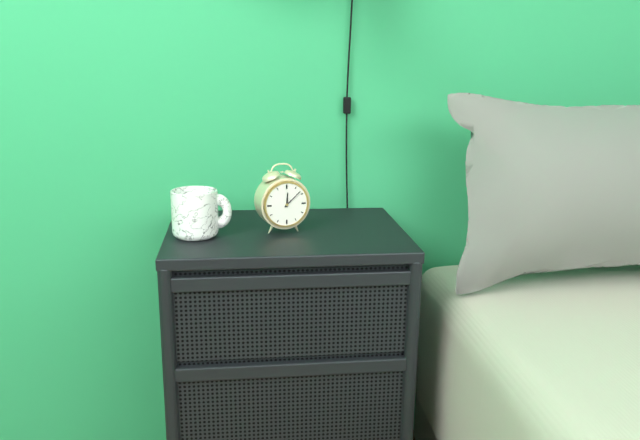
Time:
h=12 m=8
